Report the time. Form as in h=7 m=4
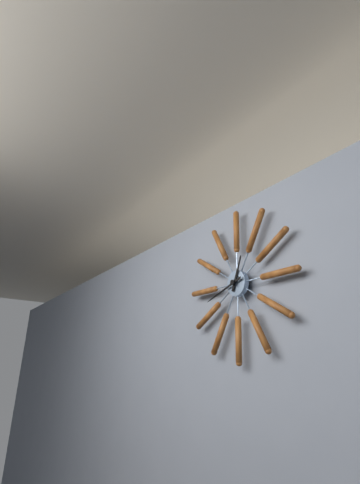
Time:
h=12 m=42
